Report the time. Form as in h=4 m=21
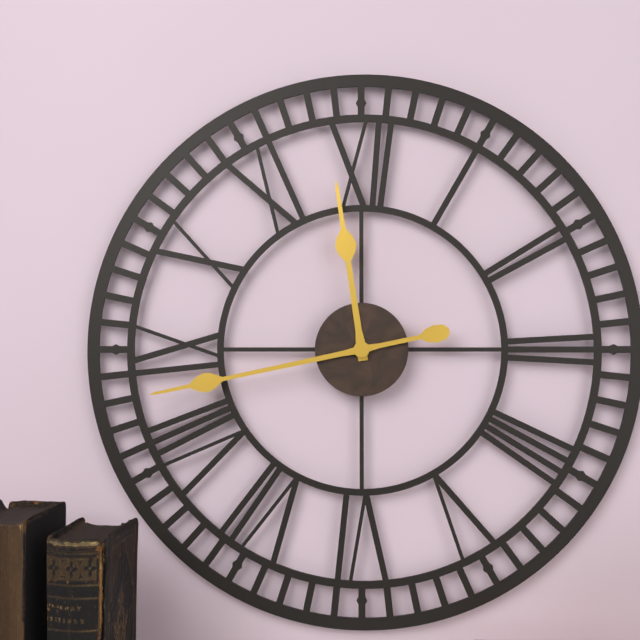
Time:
h=11 m=43
